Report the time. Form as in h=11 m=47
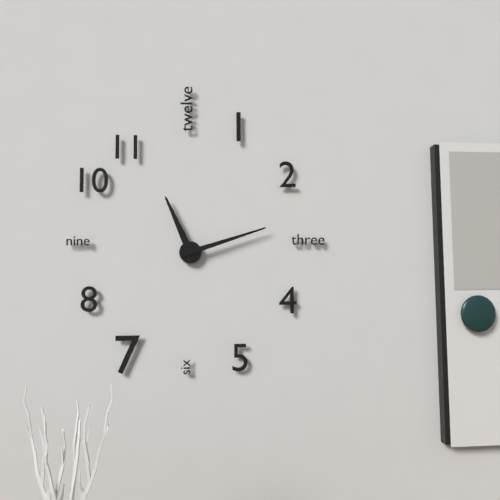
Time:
h=11 m=12
